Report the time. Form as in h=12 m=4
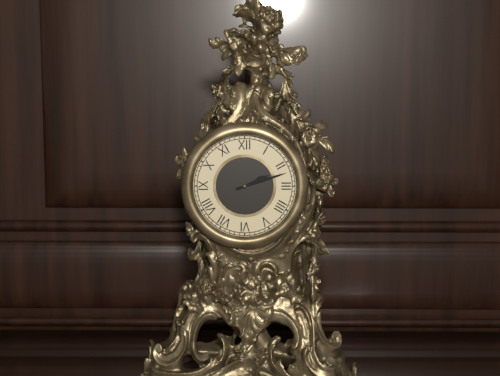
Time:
h=2 m=12
